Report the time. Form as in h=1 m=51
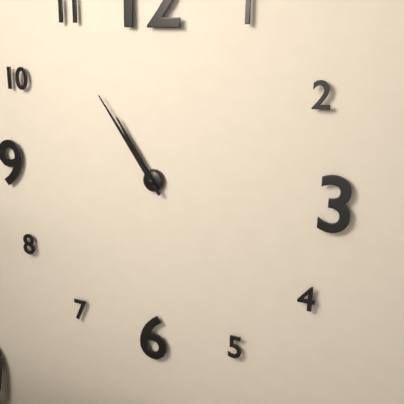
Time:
h=10 m=54
